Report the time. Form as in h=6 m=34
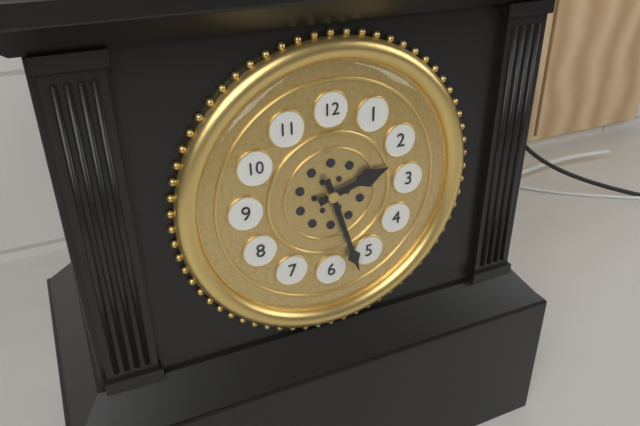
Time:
h=2 m=27
